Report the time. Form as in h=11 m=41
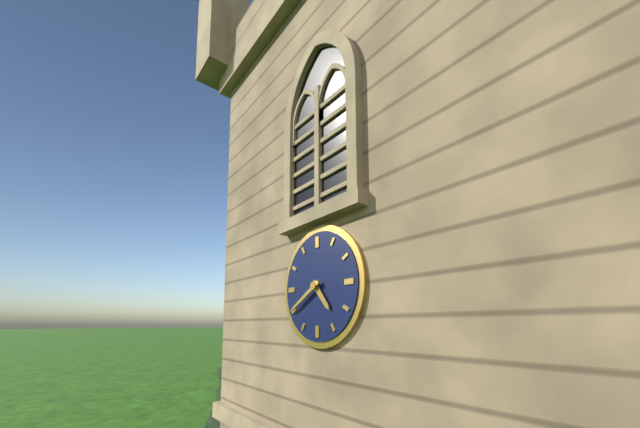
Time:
h=4 m=40
